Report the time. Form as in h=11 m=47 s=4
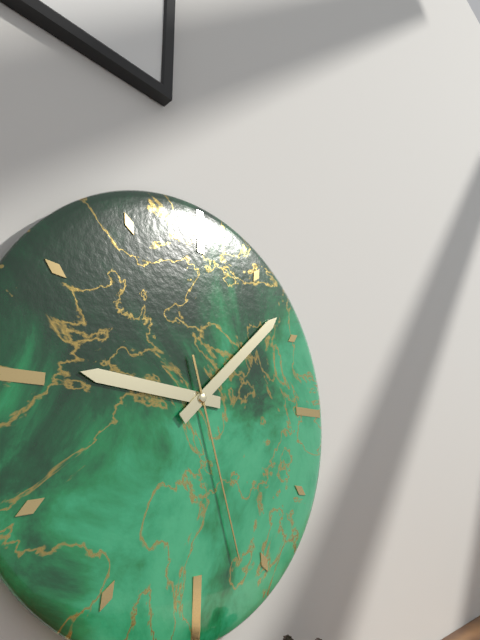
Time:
h=9 m=8 s=27
